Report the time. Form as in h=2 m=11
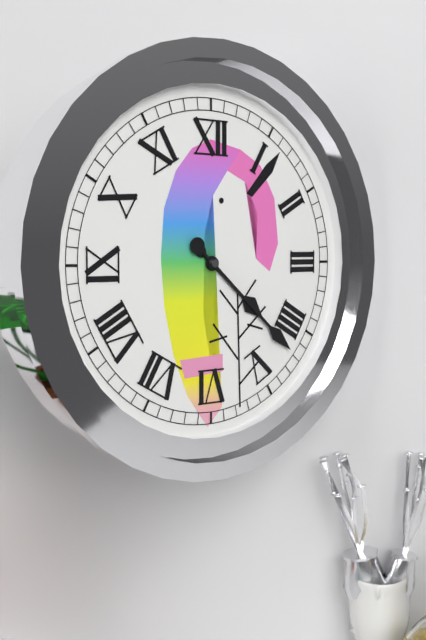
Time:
h=4 m=22
